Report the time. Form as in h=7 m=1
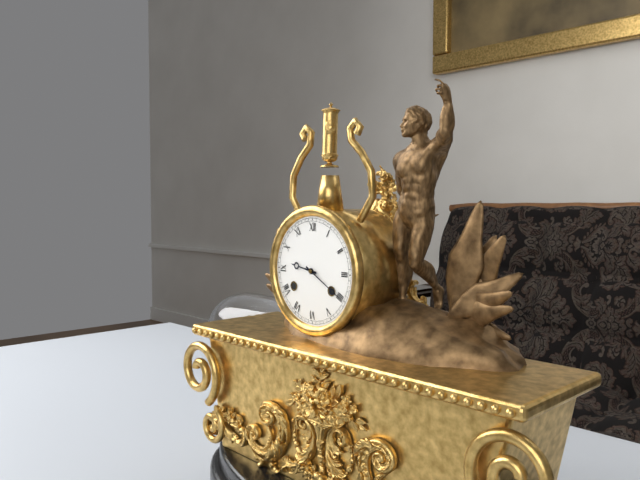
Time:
h=9 m=20
